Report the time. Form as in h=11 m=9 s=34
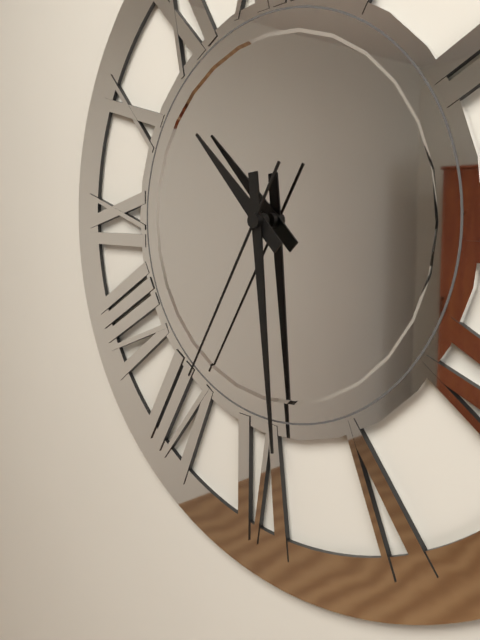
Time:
h=10 m=29 s=35
